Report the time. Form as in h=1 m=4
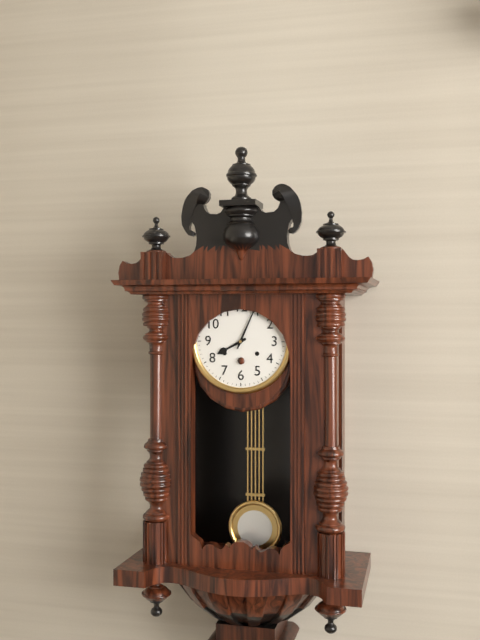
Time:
h=8 m=4
